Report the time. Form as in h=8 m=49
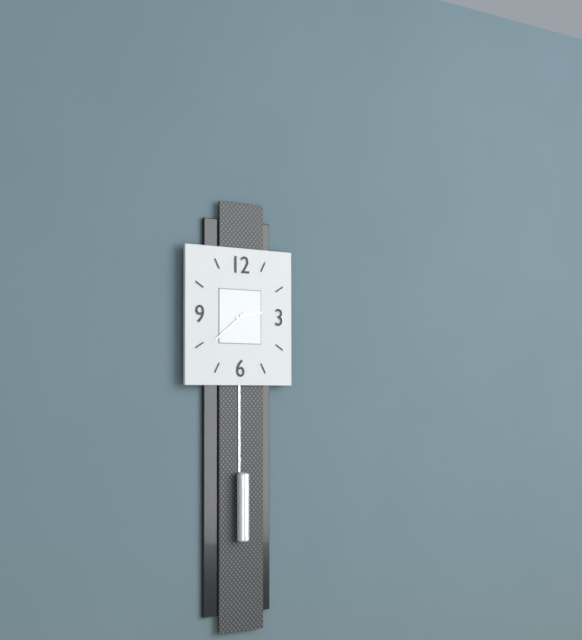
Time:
h=2 m=39
